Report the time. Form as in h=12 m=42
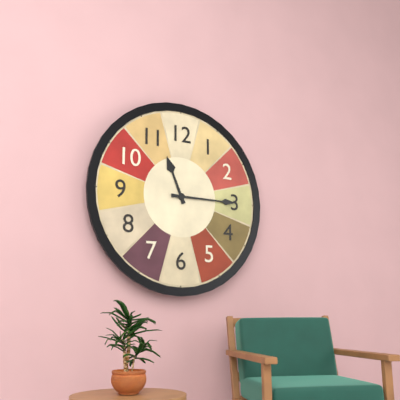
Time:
h=11 m=15
